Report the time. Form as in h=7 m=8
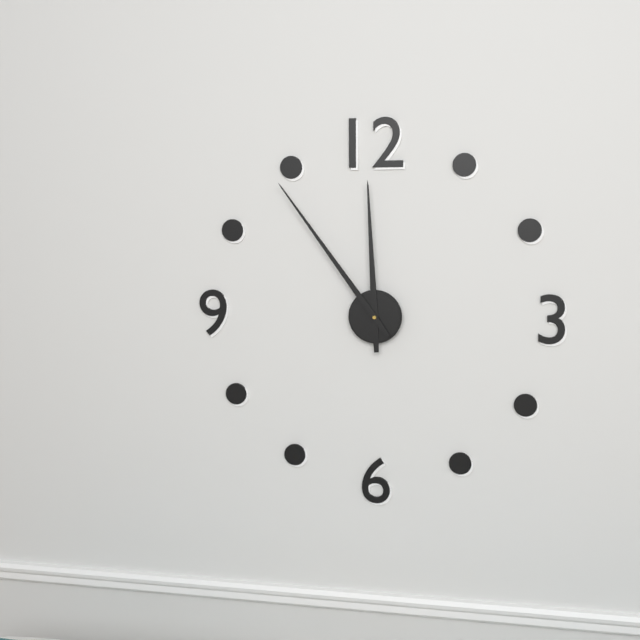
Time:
h=11 m=54
